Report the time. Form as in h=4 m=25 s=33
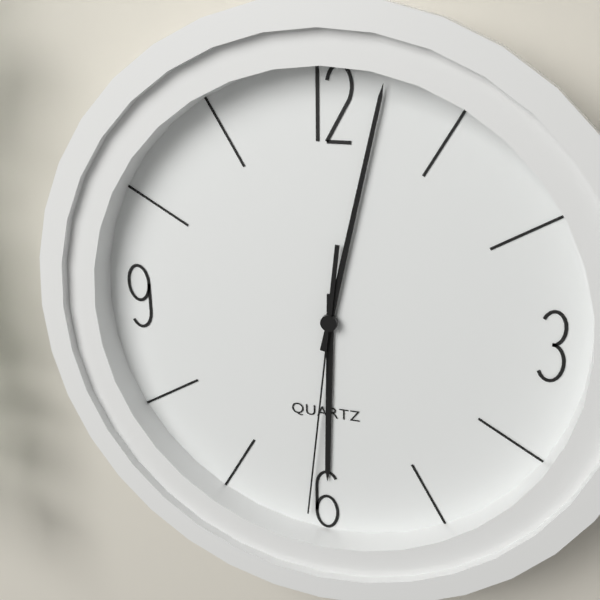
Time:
h=6 m=2 s=31
